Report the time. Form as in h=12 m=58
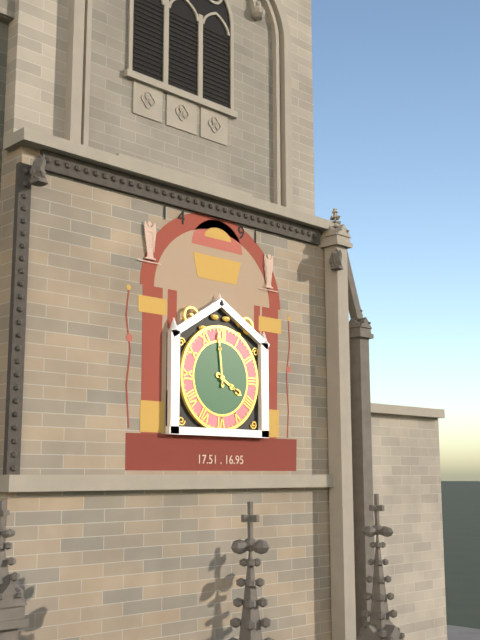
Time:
h=3 m=59
